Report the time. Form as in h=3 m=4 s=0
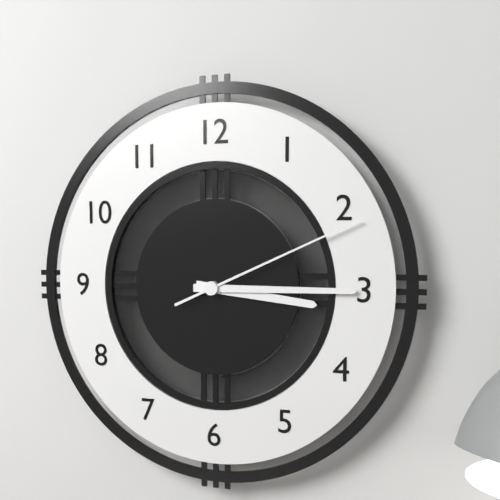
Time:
h=3 m=15 s=11
